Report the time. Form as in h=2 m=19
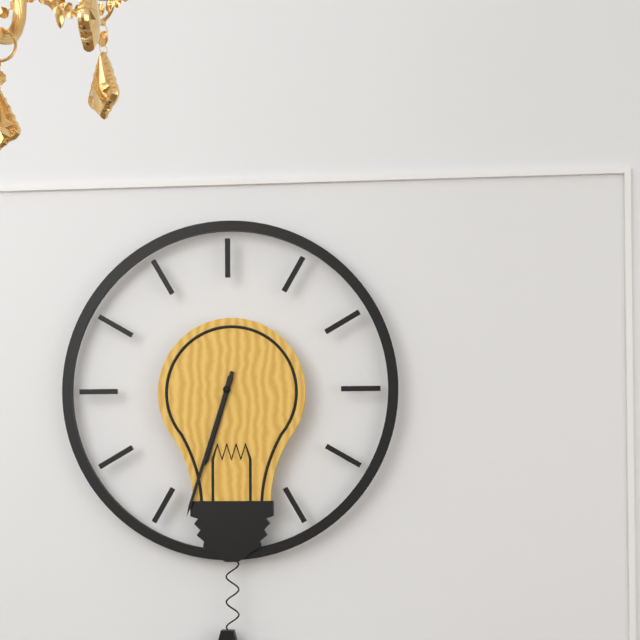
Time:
h=6 m=33
